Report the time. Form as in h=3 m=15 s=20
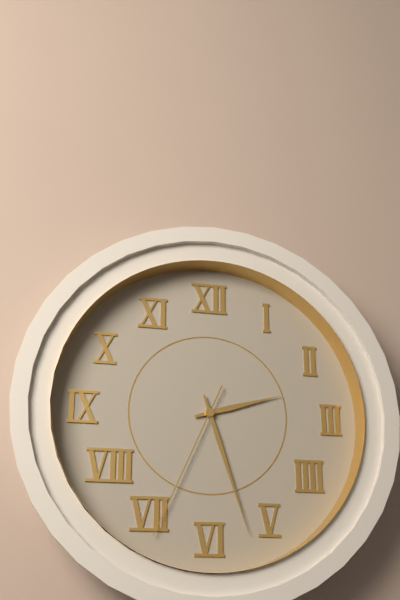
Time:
h=2 m=27 s=34
